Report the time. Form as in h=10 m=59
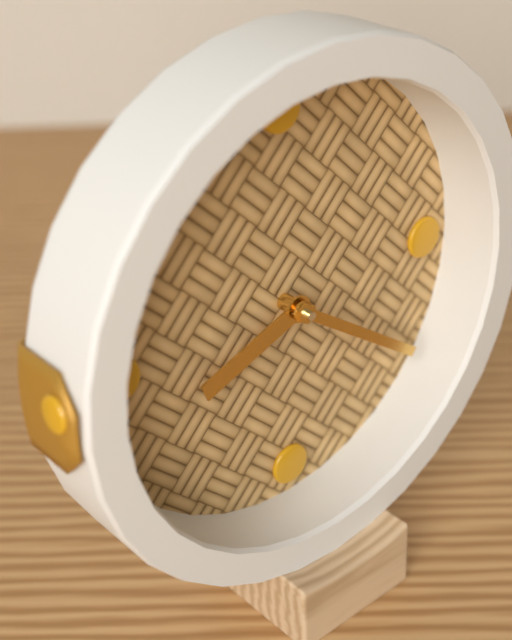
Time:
h=8 m=21
